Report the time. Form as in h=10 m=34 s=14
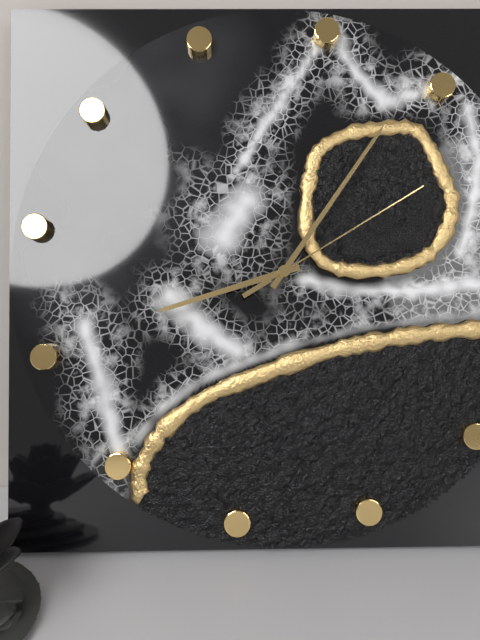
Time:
h=8 m=4 s=8
